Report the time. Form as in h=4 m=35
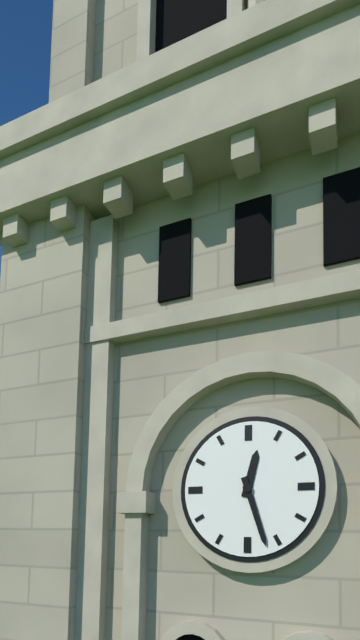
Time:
h=12 m=27
